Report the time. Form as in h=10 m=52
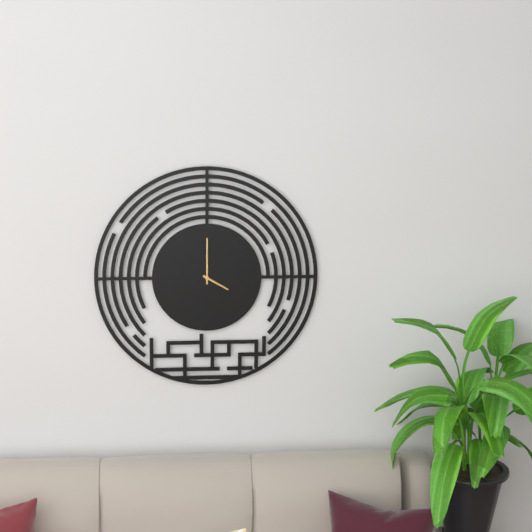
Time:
h=4 m=0
